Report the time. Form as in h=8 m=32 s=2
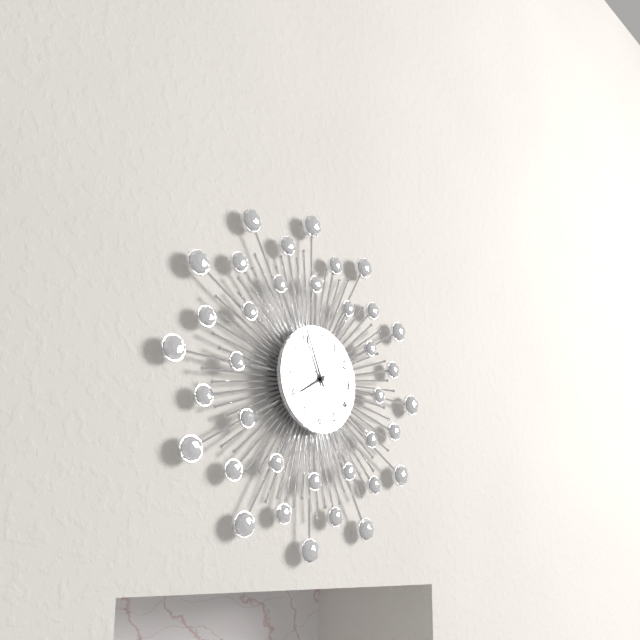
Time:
h=7 m=56 s=20
